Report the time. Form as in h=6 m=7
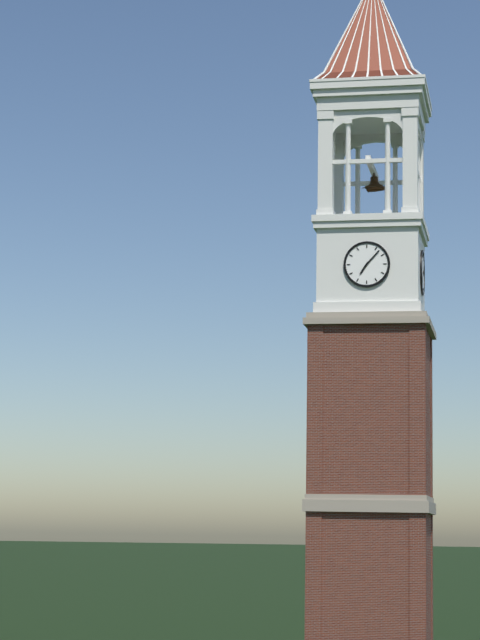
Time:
h=7 m=7
